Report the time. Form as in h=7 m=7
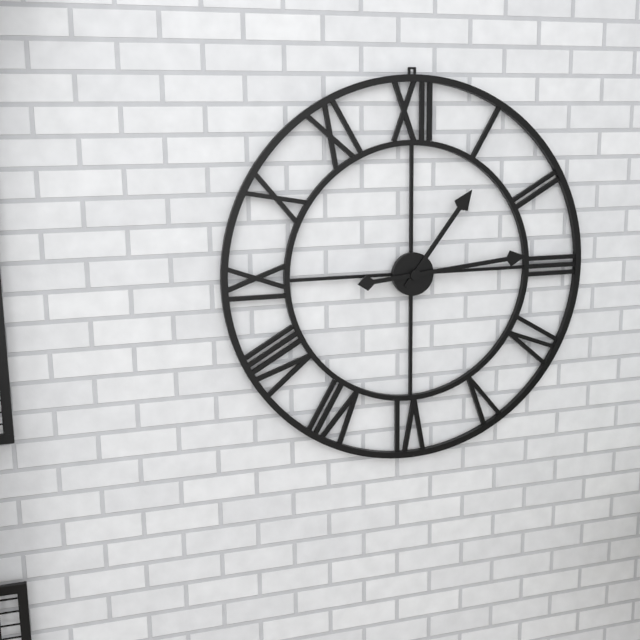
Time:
h=1 m=14
